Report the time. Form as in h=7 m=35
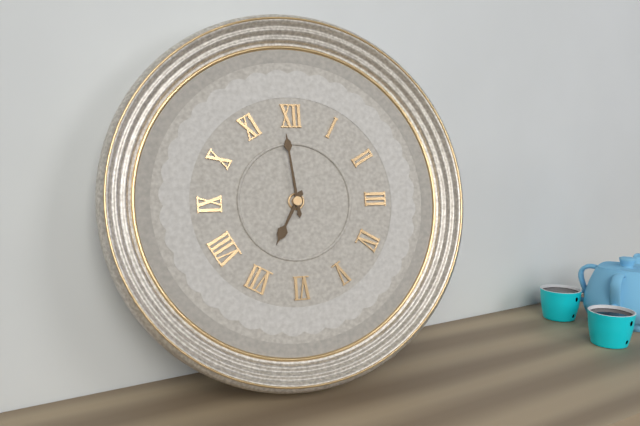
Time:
h=6 m=59
